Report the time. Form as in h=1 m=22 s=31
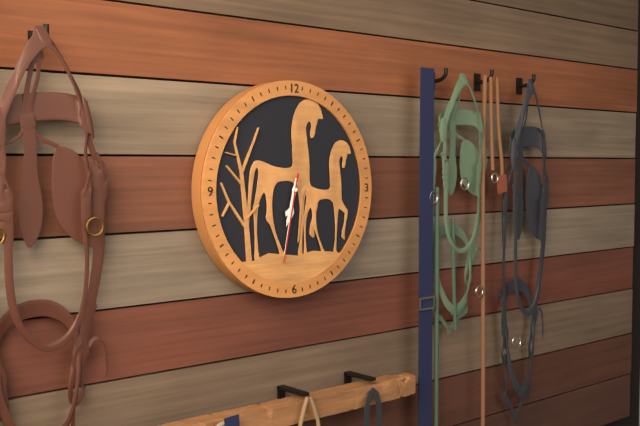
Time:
h=6 m=32 s=32
